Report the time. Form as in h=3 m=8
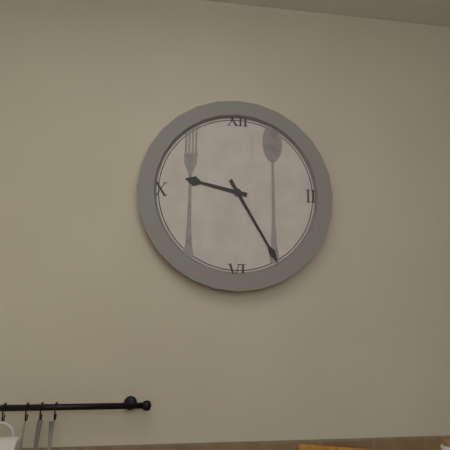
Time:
h=9 m=25
